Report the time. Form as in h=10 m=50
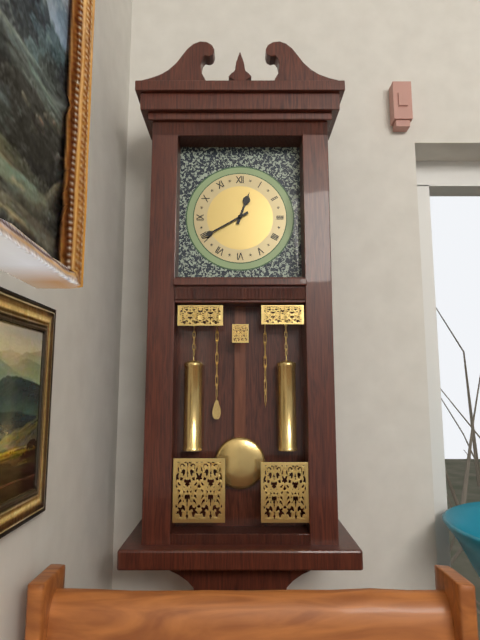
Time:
h=12 m=40
